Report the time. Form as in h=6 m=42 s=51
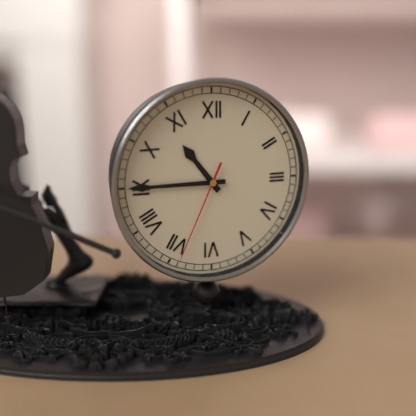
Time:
h=10 m=45 s=34
